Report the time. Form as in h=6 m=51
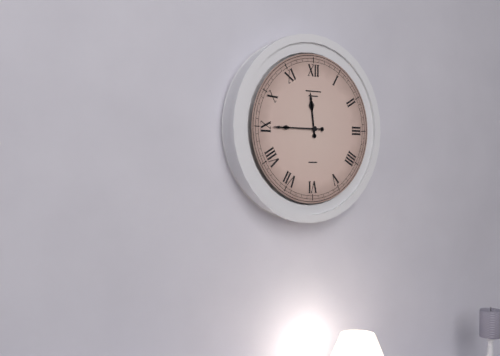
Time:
h=11 m=45
